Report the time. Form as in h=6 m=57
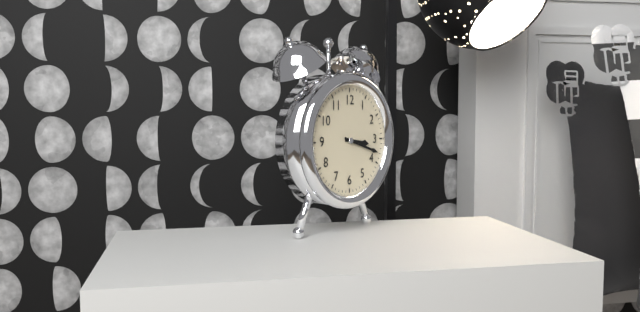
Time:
h=3 m=18
